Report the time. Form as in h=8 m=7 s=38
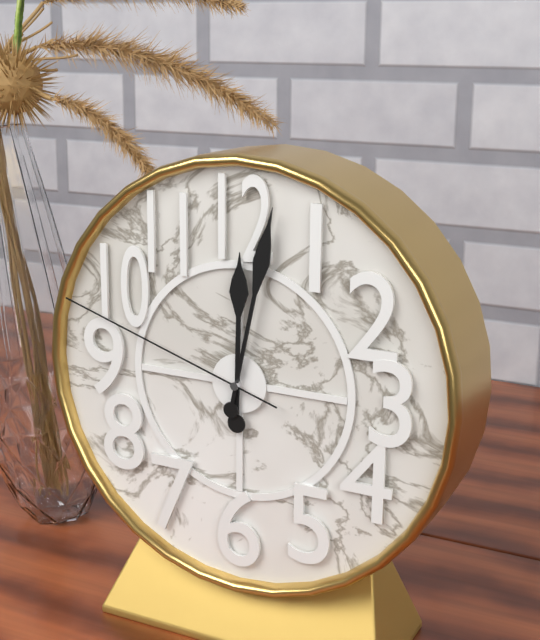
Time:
h=12 m=2 s=48
